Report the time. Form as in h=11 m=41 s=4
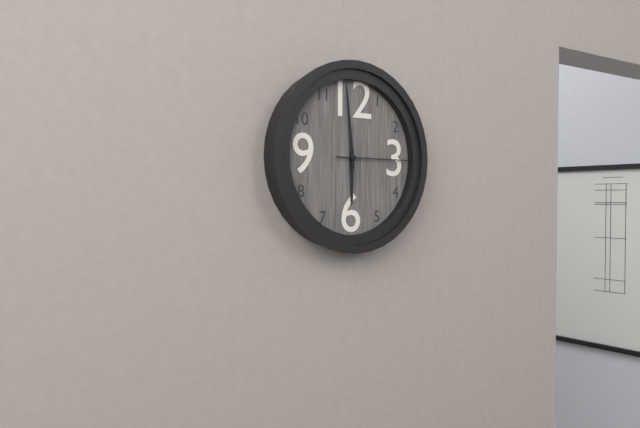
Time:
h=5 m=59 s=15
